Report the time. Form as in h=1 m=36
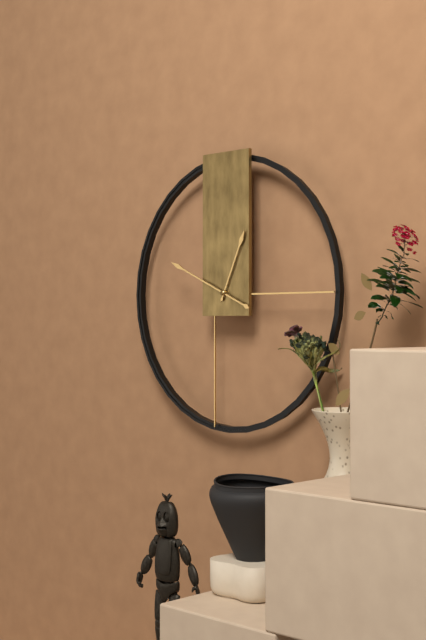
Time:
h=12 m=49
